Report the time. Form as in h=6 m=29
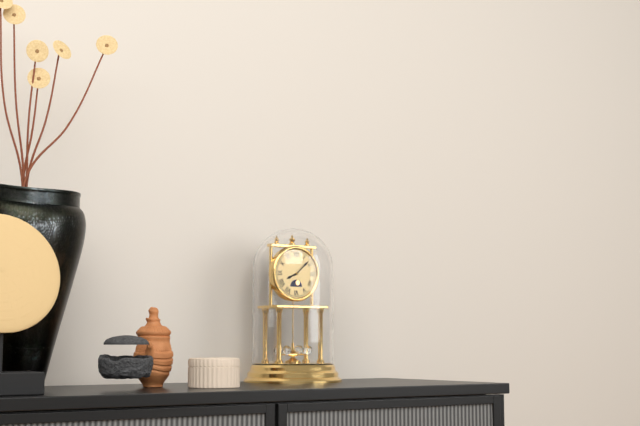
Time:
h=8 m=8
